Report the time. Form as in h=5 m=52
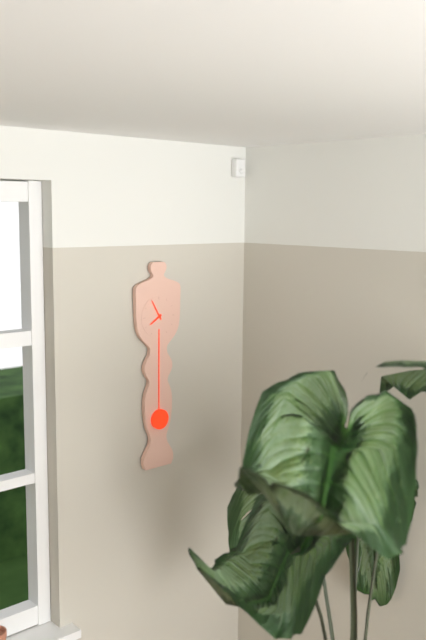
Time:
h=7 m=55
